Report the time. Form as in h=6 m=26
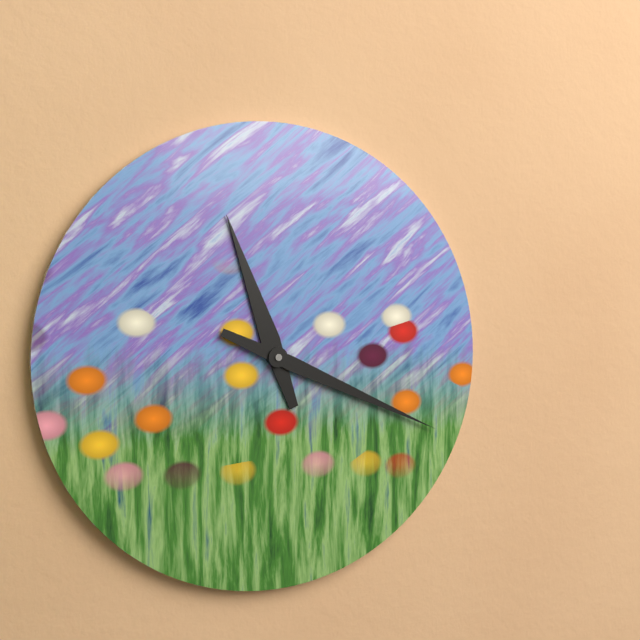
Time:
h=11 m=19
